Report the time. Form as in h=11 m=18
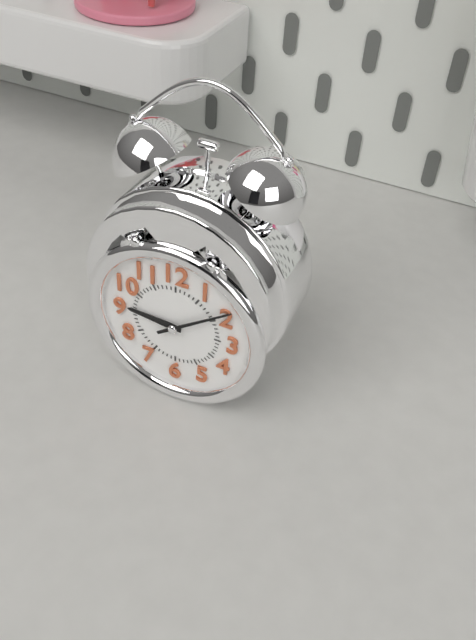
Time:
h=9 m=9
